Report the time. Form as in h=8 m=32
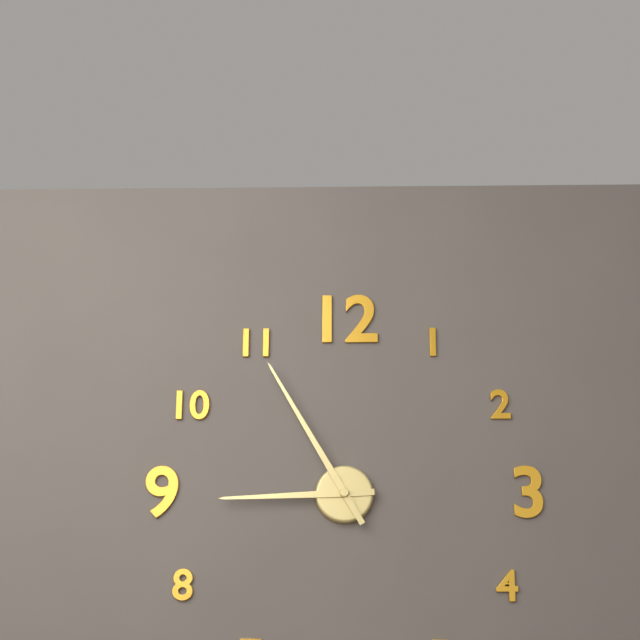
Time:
h=8 m=55
